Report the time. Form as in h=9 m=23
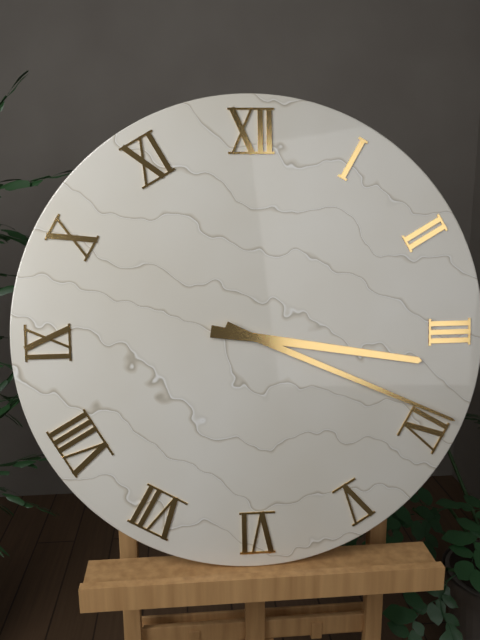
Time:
h=3 m=19
